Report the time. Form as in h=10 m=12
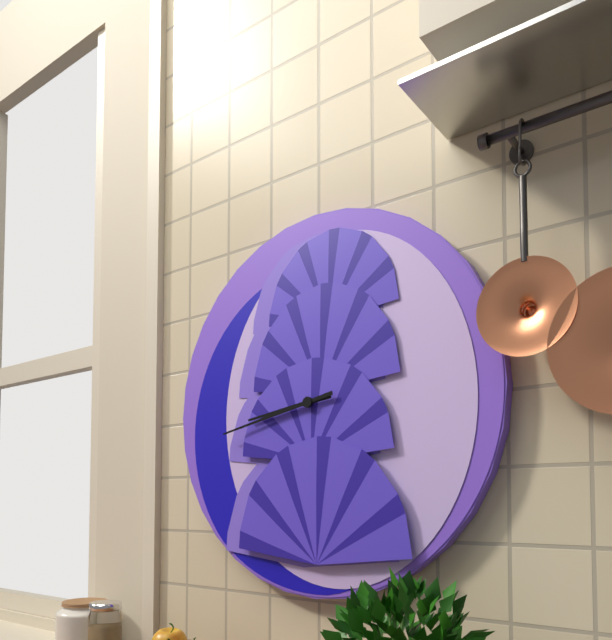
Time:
h=8 m=43
